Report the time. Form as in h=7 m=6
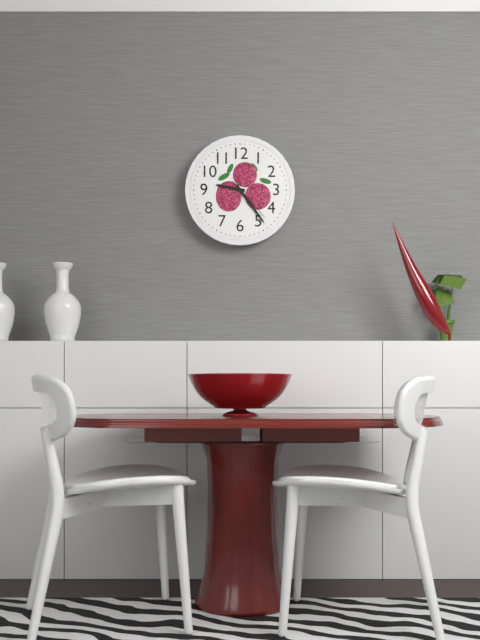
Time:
h=9 m=24
